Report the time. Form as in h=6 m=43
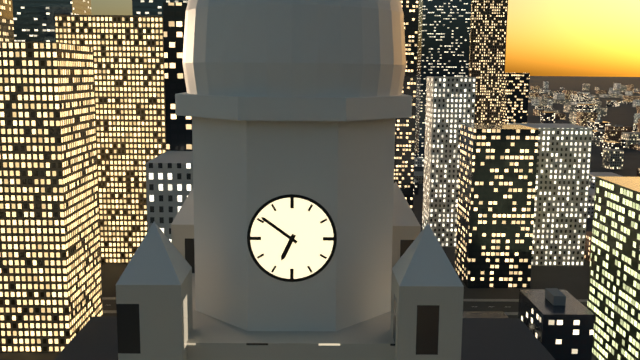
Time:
h=6 m=51
